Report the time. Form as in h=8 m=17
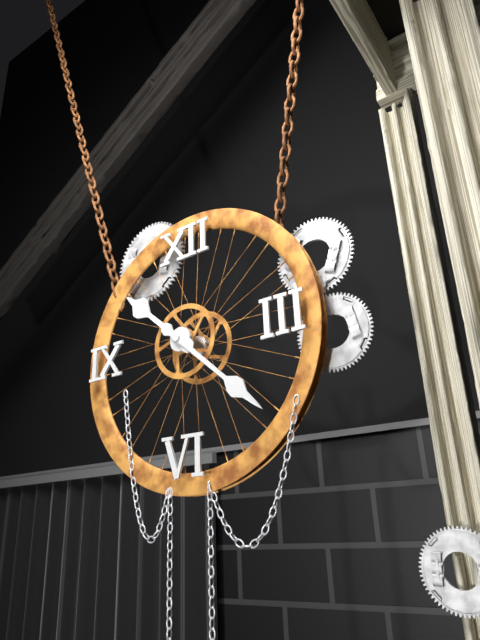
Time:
h=10 m=22
